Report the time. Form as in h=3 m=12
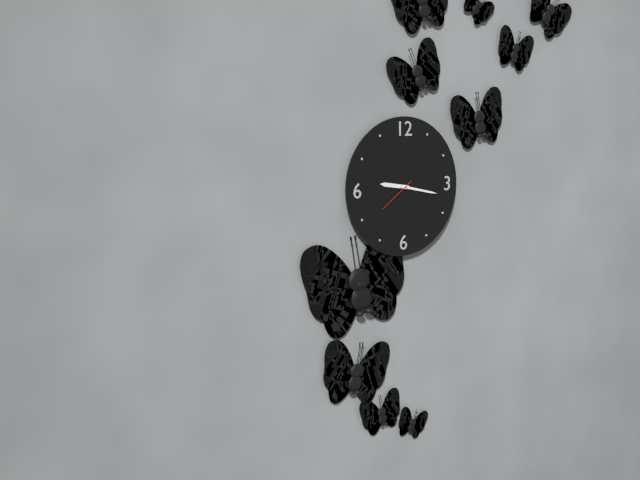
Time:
h=9 m=17
